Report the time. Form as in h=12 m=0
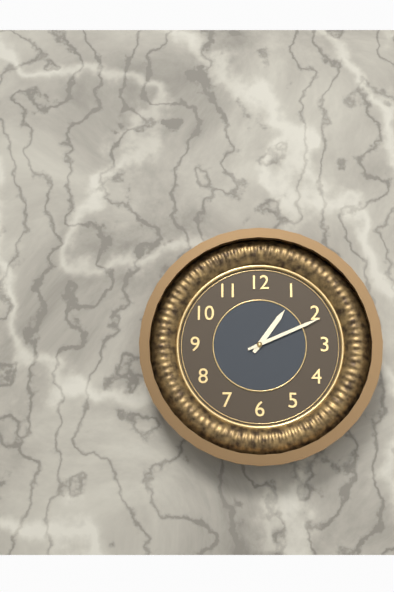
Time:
h=1 m=11
